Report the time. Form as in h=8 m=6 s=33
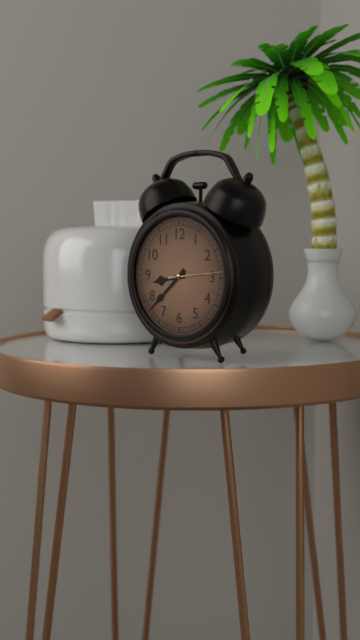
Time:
h=8 m=38 s=14
